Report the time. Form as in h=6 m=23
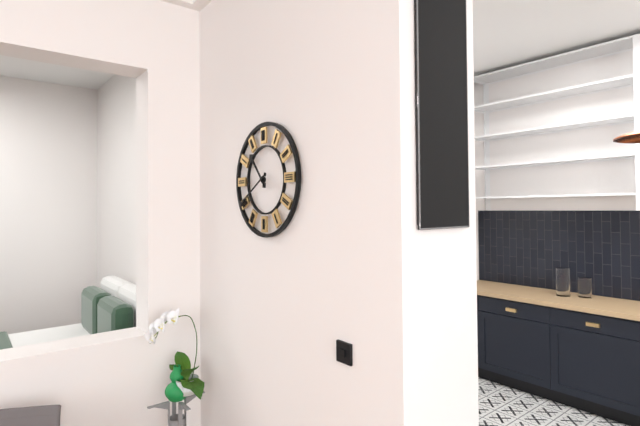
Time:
h=10 m=40
